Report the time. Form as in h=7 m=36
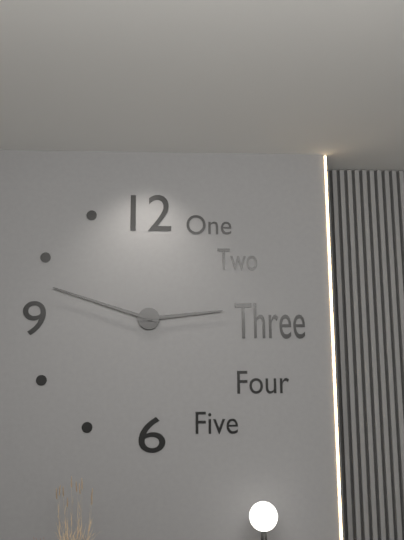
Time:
h=2 m=48
